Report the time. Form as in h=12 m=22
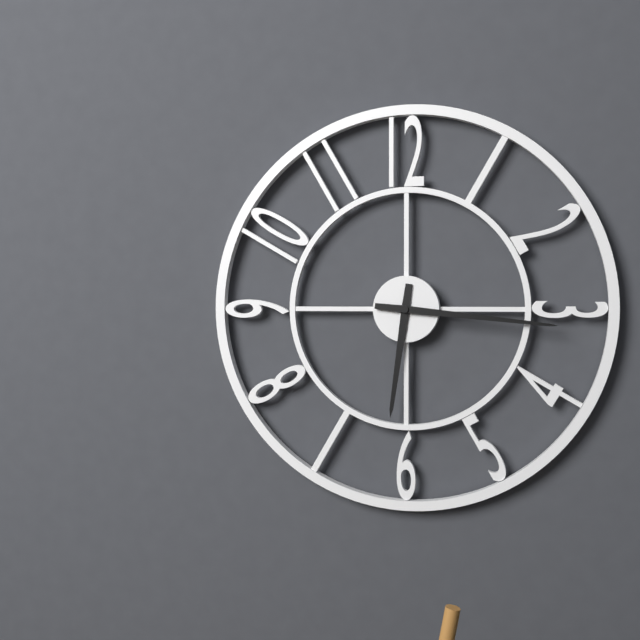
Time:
h=6 m=16
